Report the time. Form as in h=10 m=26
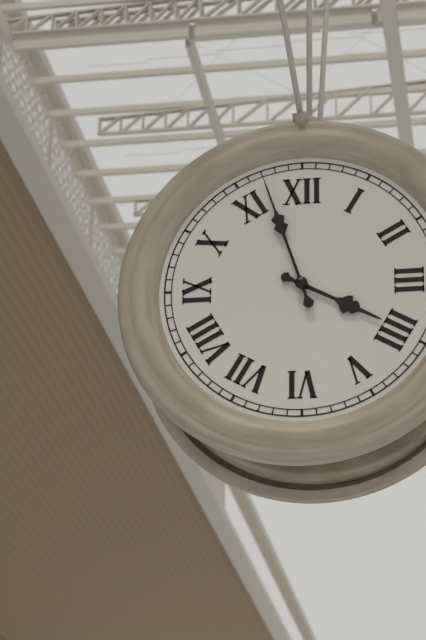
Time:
h=3 m=57
